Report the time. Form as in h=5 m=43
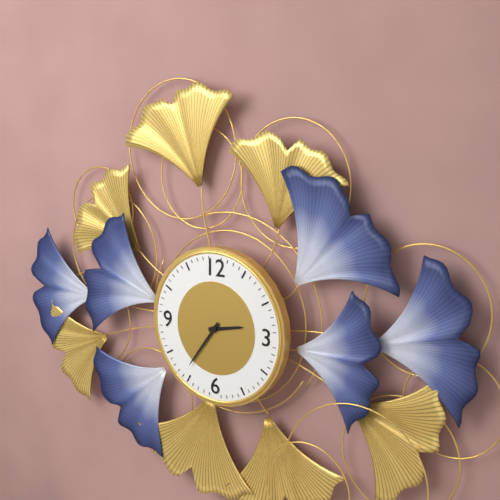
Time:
h=2 m=36
